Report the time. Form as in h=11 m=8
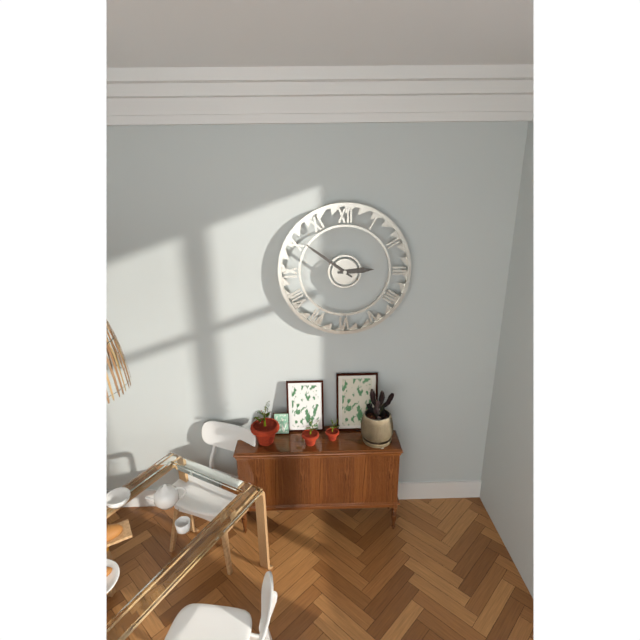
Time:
h=2 m=51
